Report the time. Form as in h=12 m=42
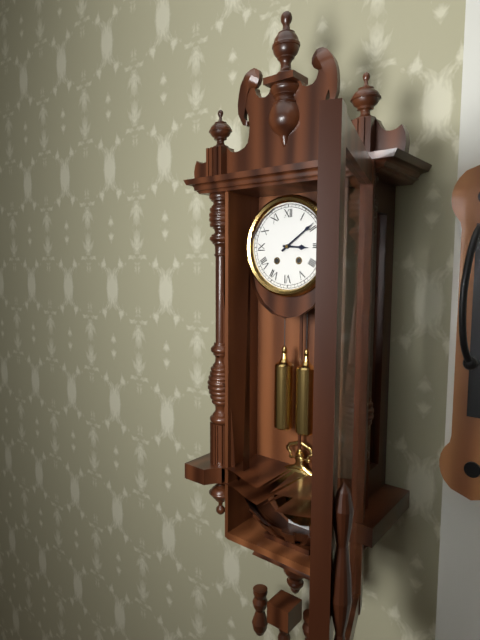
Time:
h=3 m=9
